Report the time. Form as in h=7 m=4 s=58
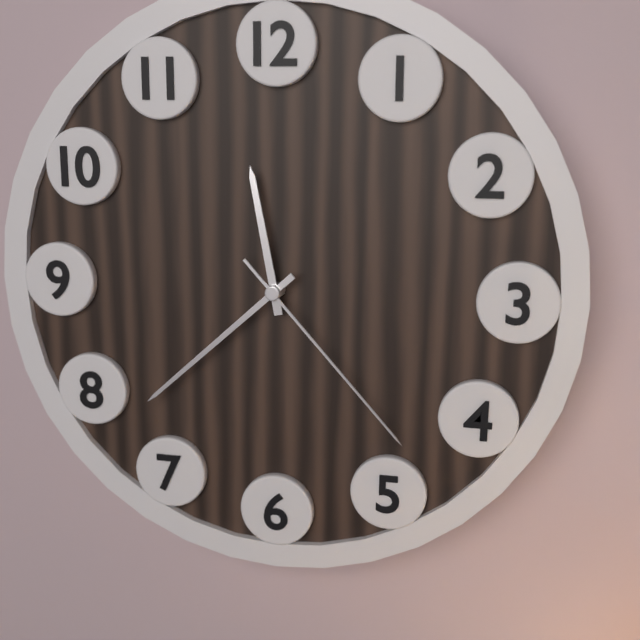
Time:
h=11 m=38 s=23
